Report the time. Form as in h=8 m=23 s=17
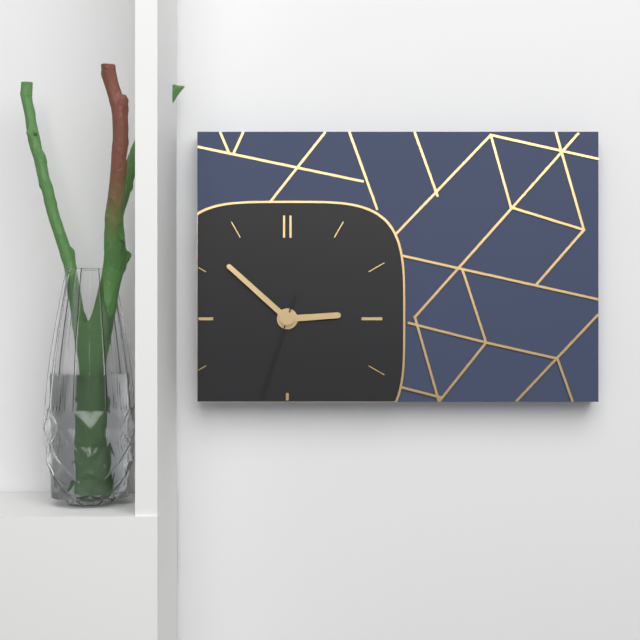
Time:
h=2 m=52 s=33
